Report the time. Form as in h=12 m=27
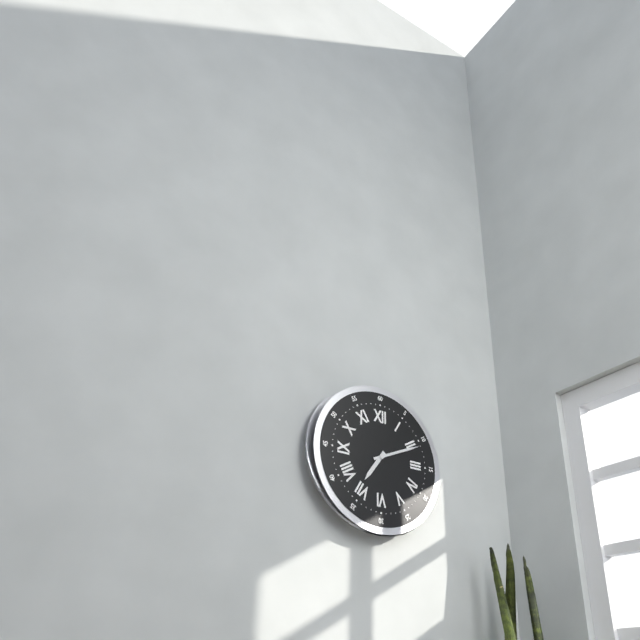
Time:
h=7 m=11
